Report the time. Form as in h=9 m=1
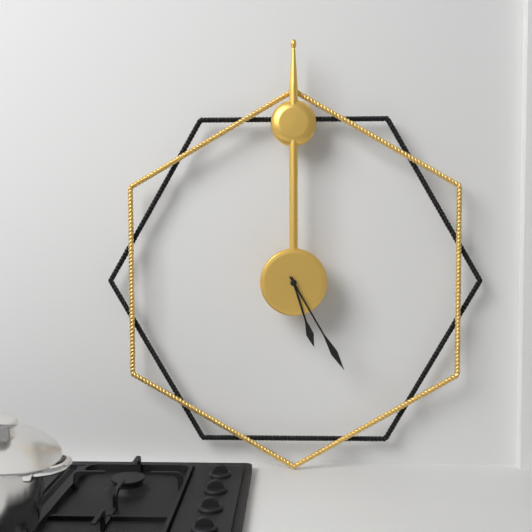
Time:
h=5 m=25
